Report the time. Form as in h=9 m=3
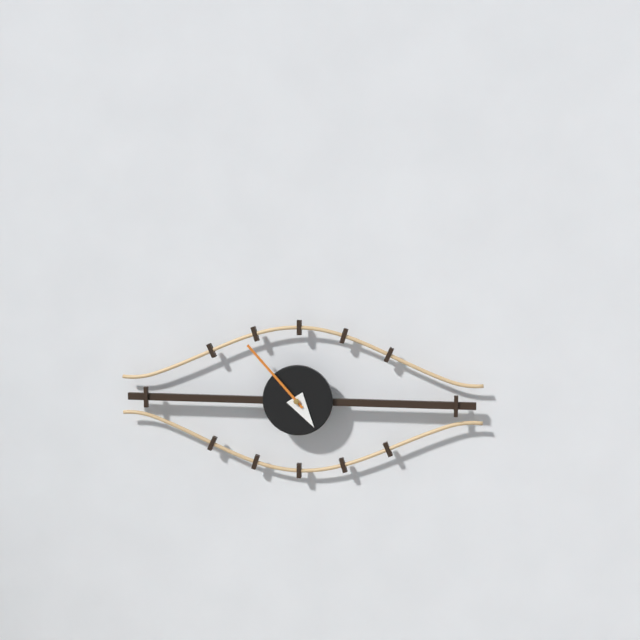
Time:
h=4 m=53
